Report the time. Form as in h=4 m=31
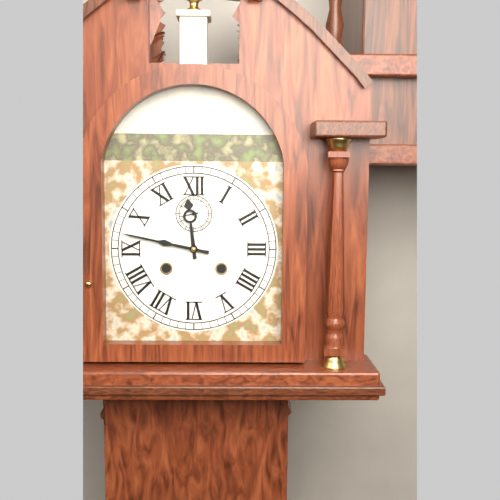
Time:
h=11 m=47
